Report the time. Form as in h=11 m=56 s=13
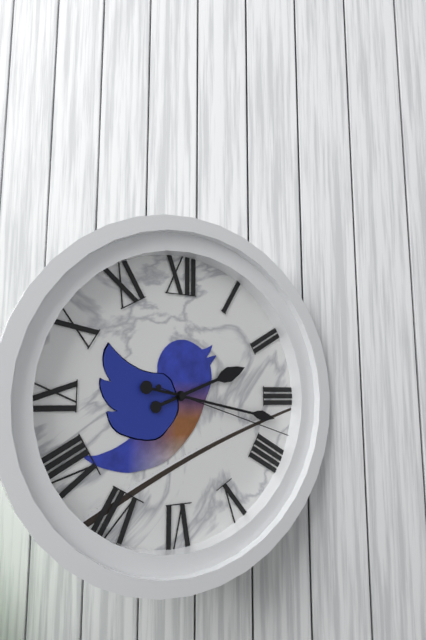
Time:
h=2 m=17 s=18
